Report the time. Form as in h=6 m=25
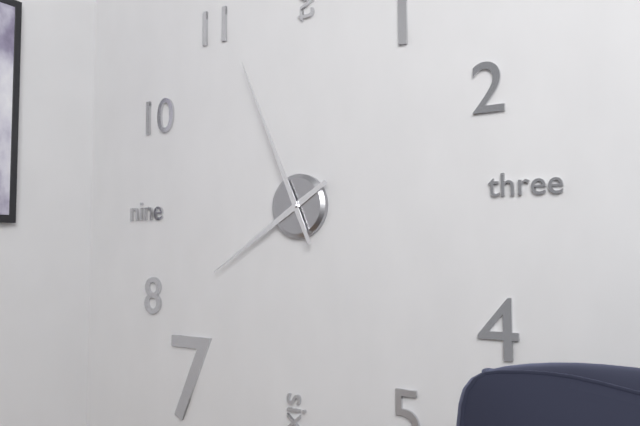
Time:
h=7 m=56
